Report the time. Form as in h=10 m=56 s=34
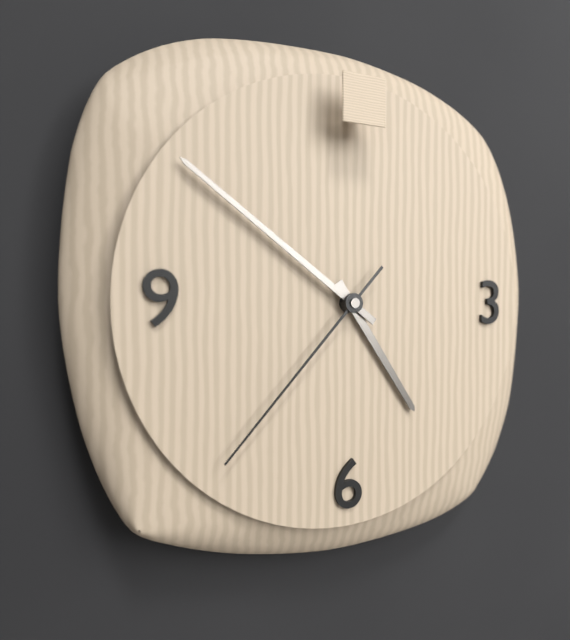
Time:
h=4 m=51 s=37
